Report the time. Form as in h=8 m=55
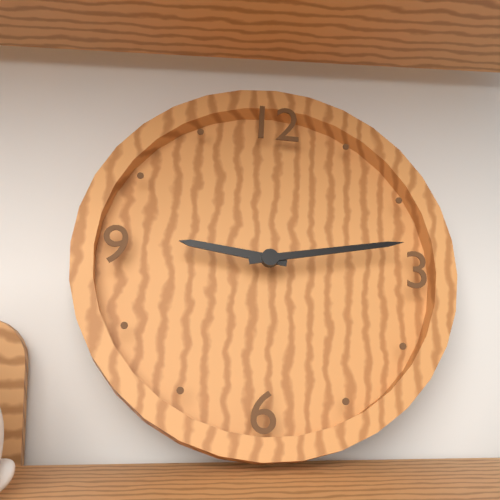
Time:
h=9 m=13
